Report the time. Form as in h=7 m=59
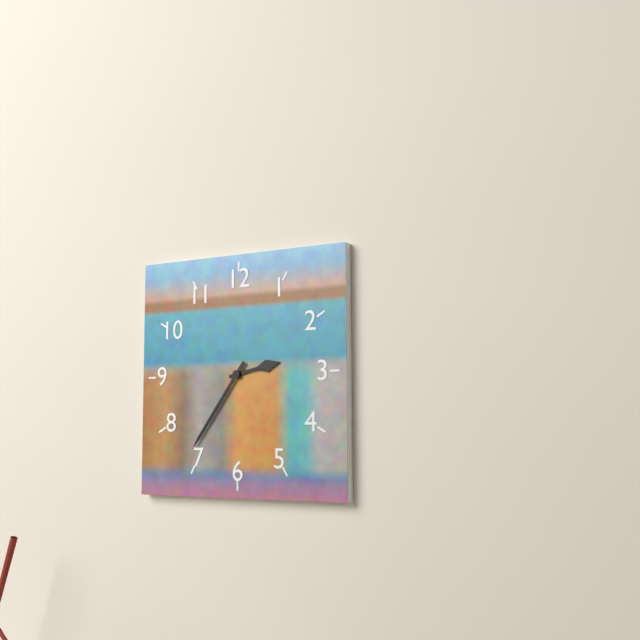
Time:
h=2 m=36
